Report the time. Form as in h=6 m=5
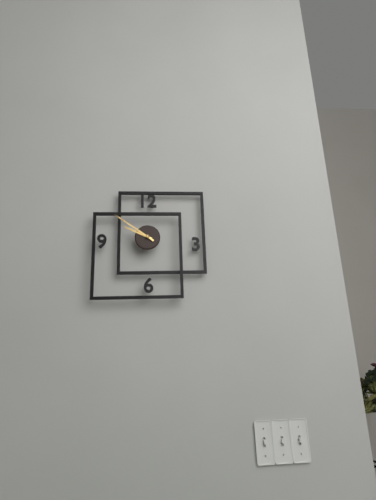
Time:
h=9 m=51
